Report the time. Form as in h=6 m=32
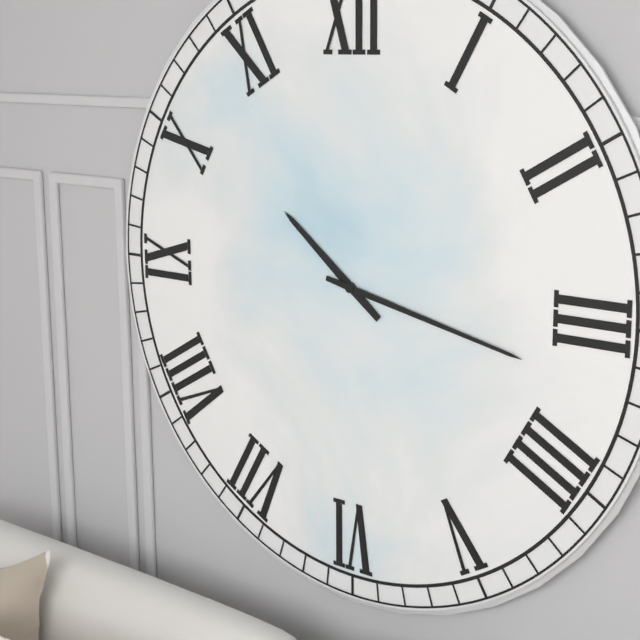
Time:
h=10 m=17
